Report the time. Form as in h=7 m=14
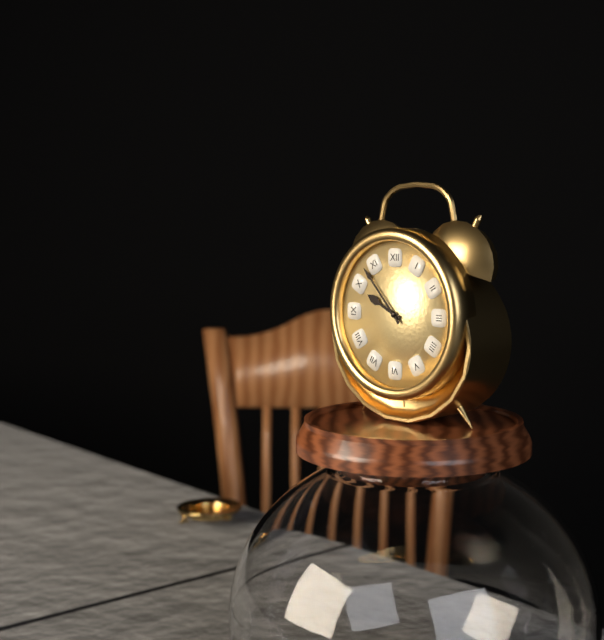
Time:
h=9 m=53
